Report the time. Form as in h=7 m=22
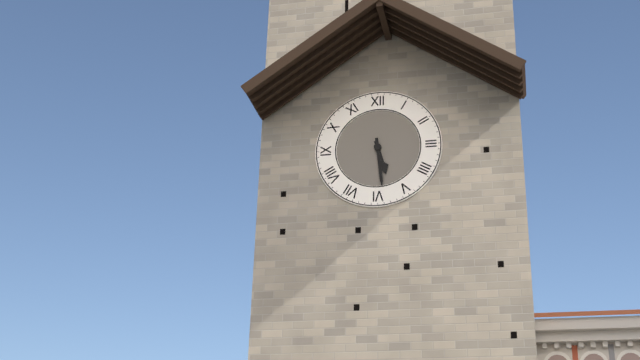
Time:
h=5 m=29
